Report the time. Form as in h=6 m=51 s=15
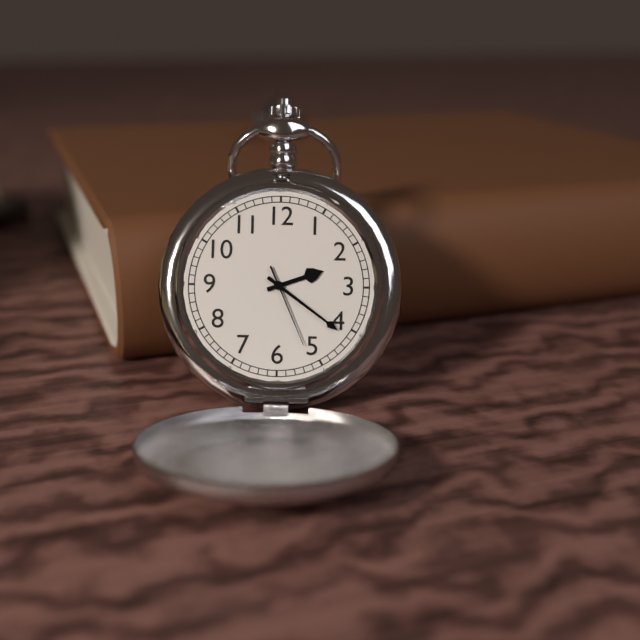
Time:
h=2 m=21 s=26
